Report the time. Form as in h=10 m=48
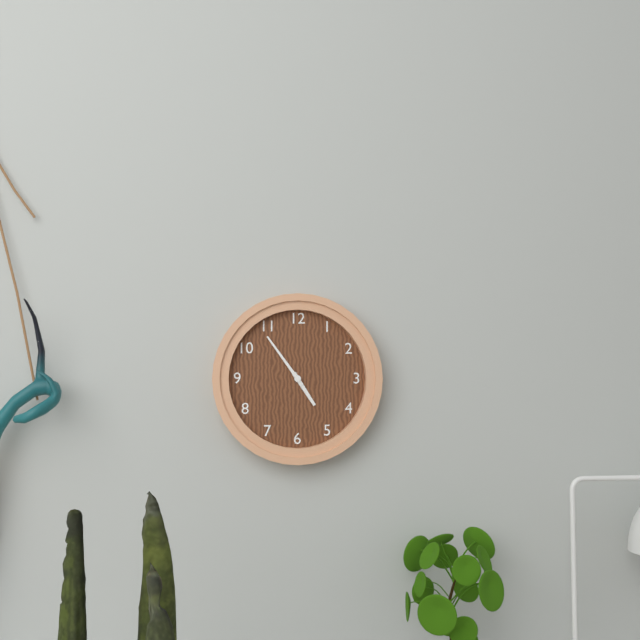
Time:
h=4 m=54
